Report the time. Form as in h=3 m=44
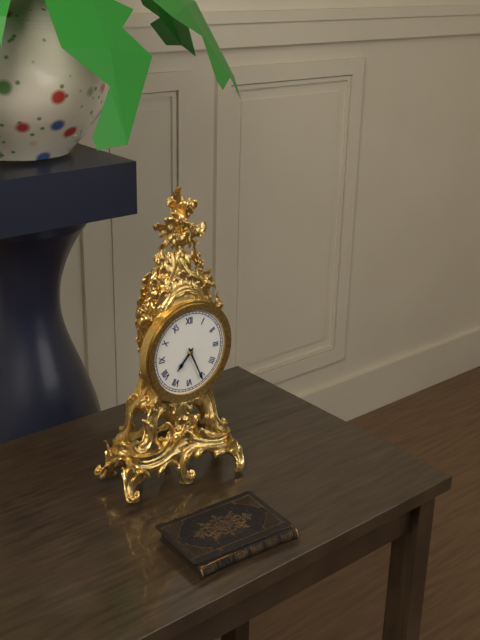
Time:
h=7 m=26
